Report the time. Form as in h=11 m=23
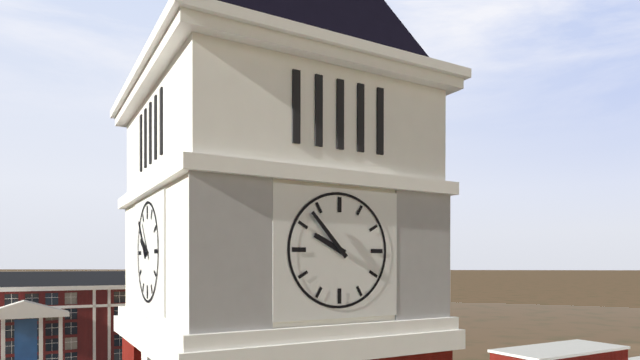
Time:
h=9 m=53
